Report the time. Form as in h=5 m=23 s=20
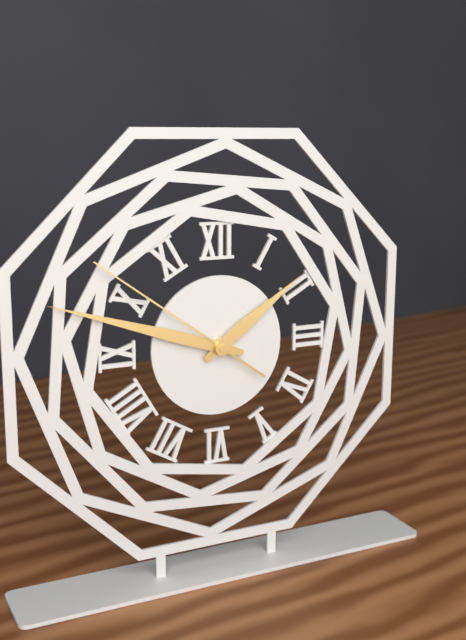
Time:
h=1 m=48 s=51
